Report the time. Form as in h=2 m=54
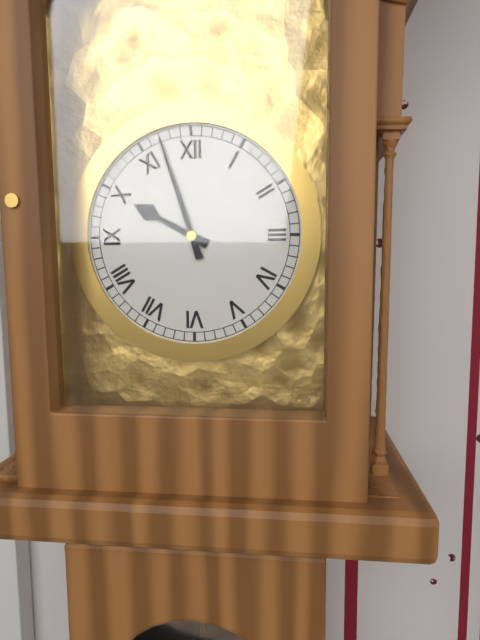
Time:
h=9 m=57
